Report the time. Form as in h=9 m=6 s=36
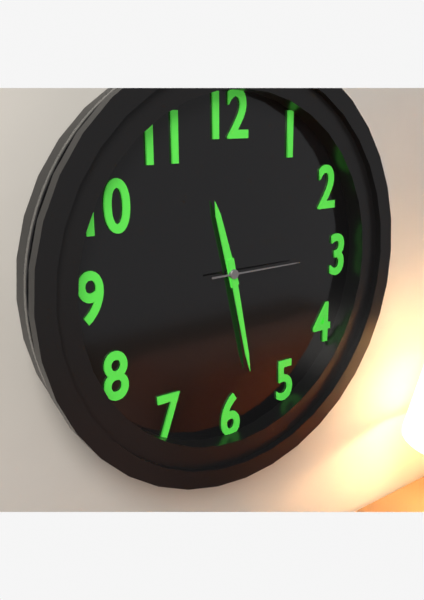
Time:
h=11 m=28 s=15
